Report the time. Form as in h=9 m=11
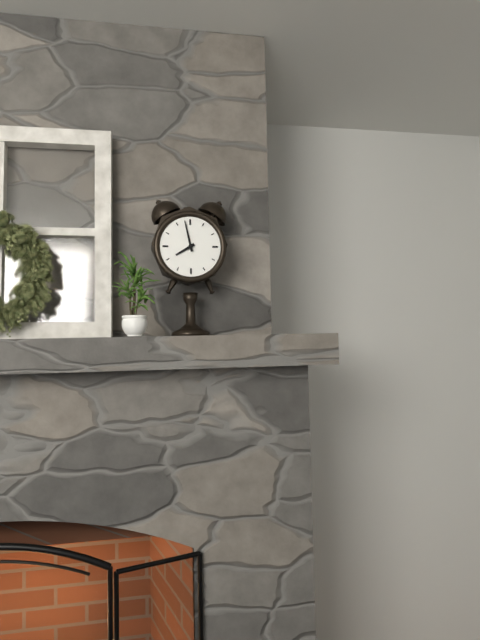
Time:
h=7 m=58
